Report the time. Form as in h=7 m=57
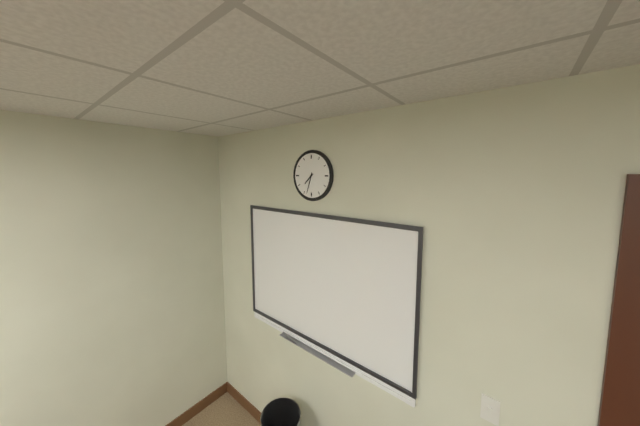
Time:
h=7 m=33
